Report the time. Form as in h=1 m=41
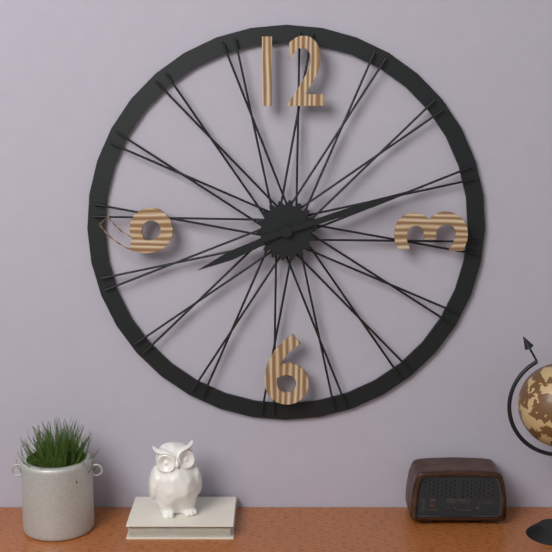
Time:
h=8 m=12
